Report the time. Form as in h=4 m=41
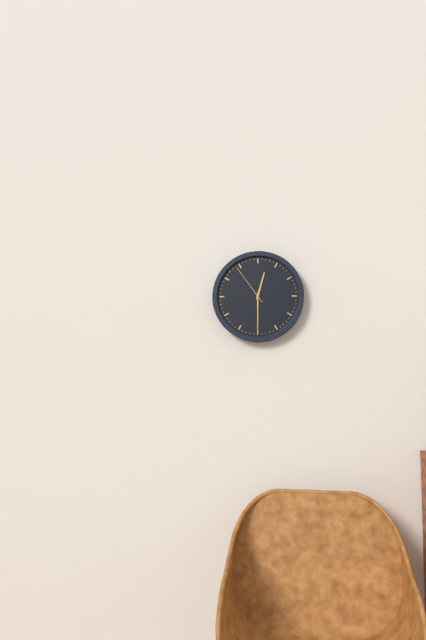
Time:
h=12 m=30
